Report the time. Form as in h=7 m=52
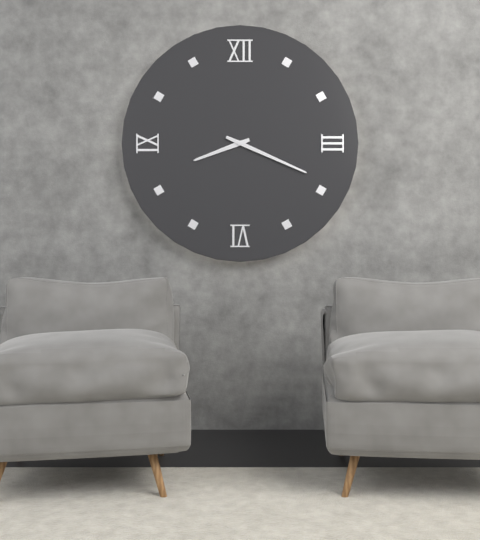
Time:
h=8 m=19
